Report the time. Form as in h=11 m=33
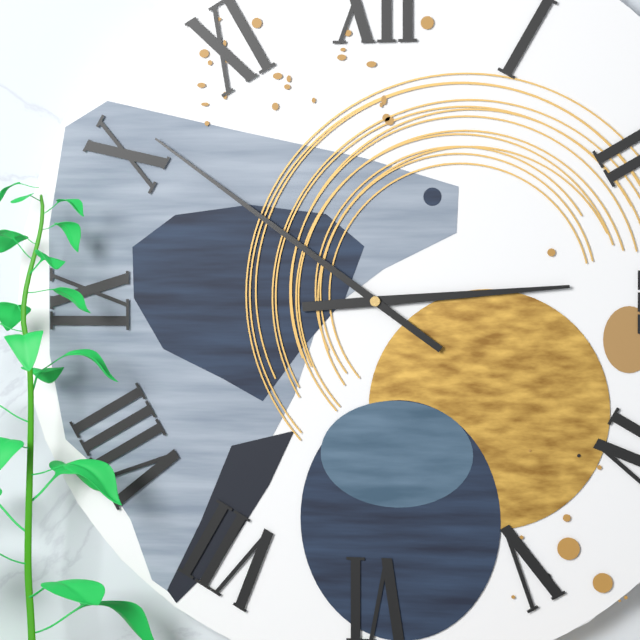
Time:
h=2 m=51
